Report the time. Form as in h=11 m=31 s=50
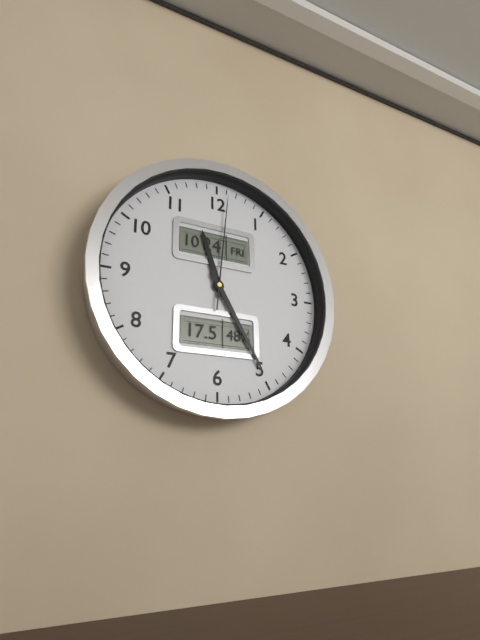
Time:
h=11 m=25 s=1
